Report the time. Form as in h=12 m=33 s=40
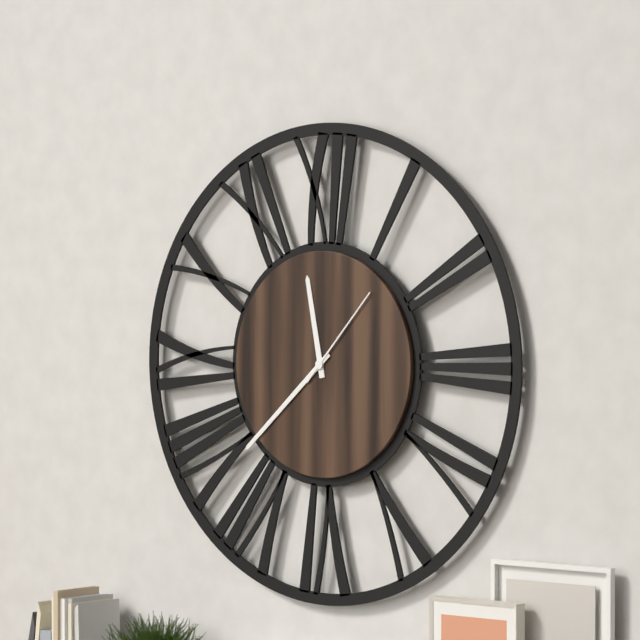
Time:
h=11 m=38 s=7
